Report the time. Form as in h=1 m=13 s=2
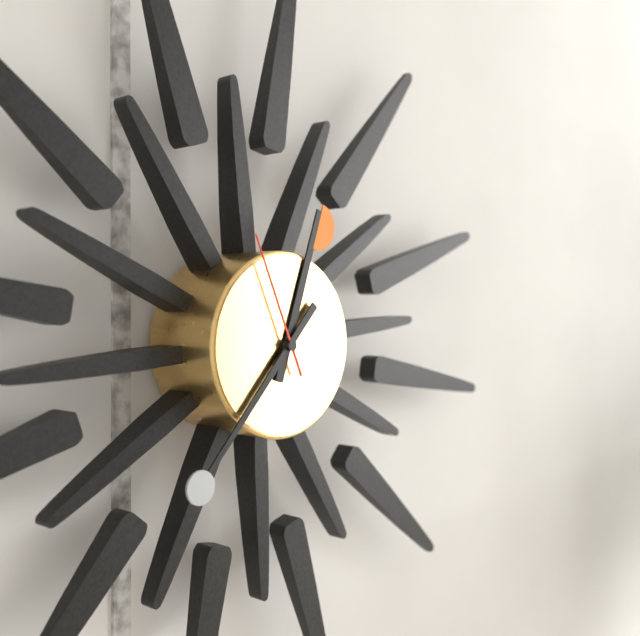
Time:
h=12 m=37 s=56
